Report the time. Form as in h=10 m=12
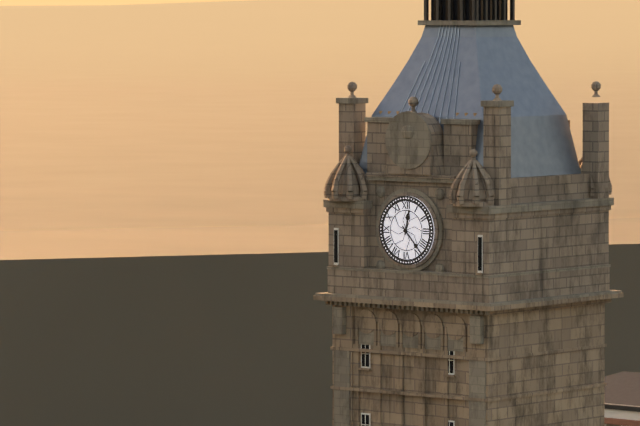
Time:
h=12 m=23
